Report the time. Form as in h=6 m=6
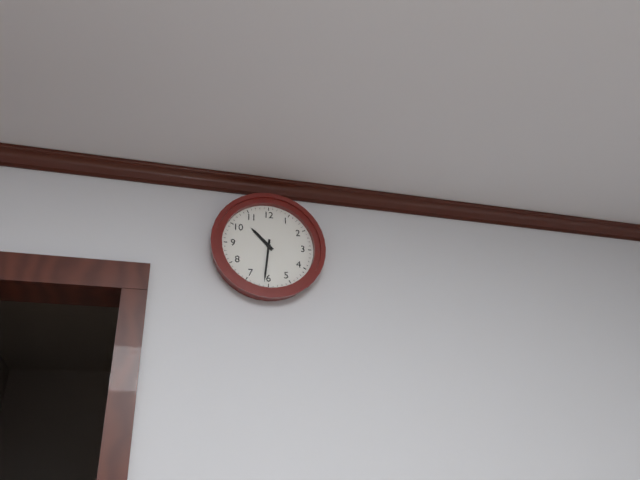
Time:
h=10 m=31
